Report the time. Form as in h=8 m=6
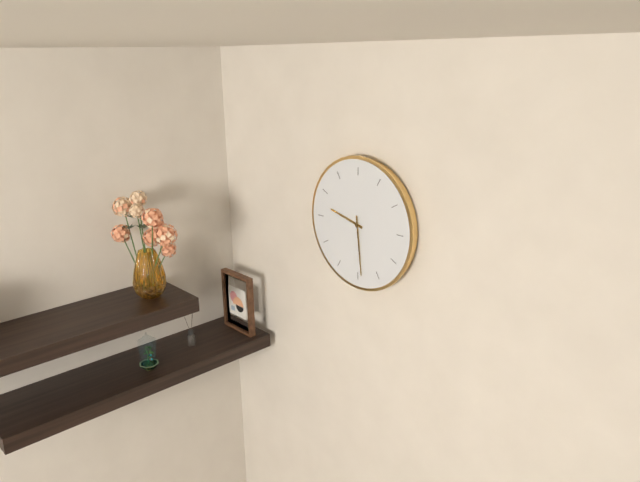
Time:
h=9 m=29
